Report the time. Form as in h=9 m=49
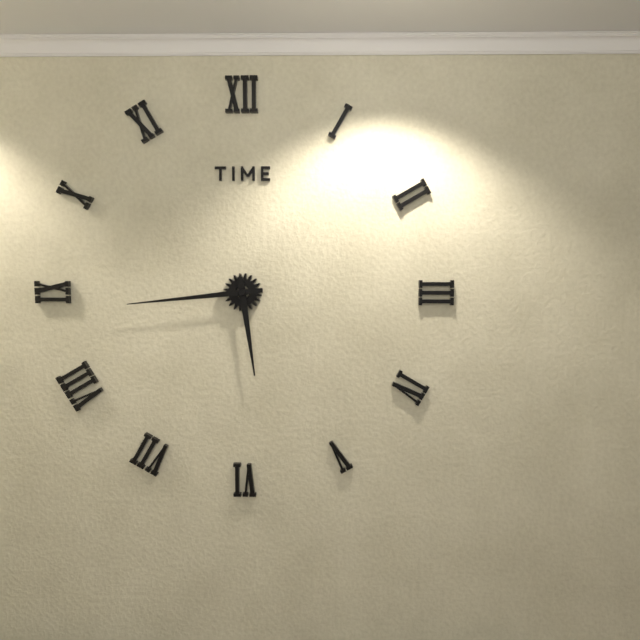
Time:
h=5 m=44
